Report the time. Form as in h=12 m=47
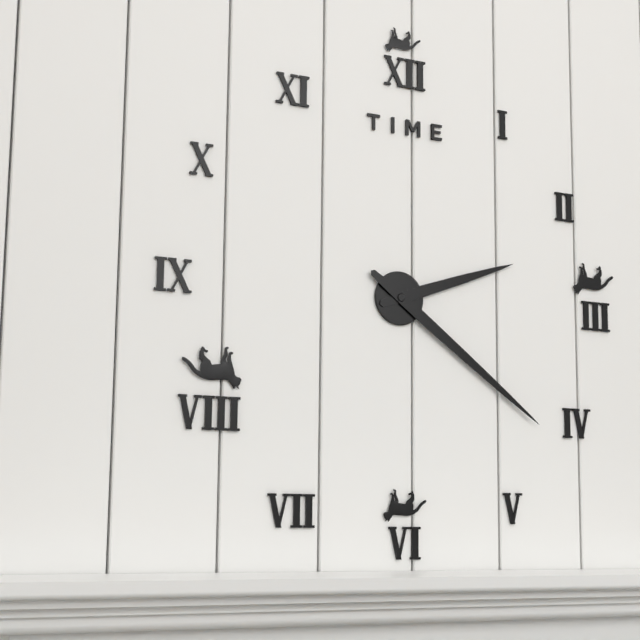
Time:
h=2 m=21
